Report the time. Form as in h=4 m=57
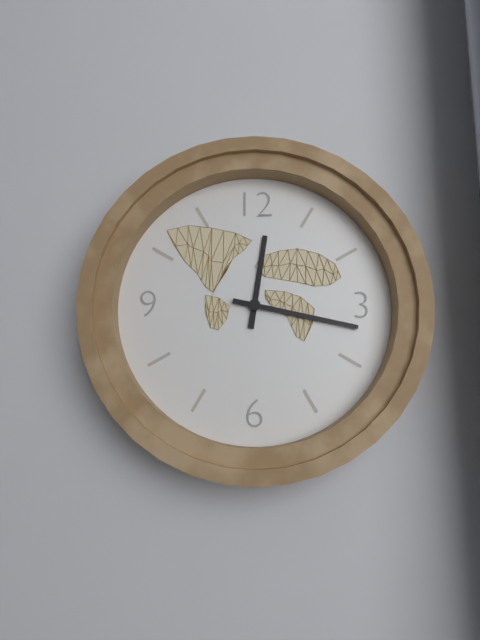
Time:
h=12 m=17
